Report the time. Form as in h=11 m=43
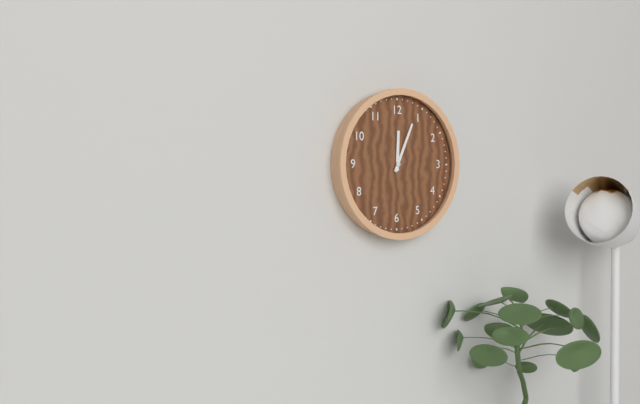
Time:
h=12 m=4
